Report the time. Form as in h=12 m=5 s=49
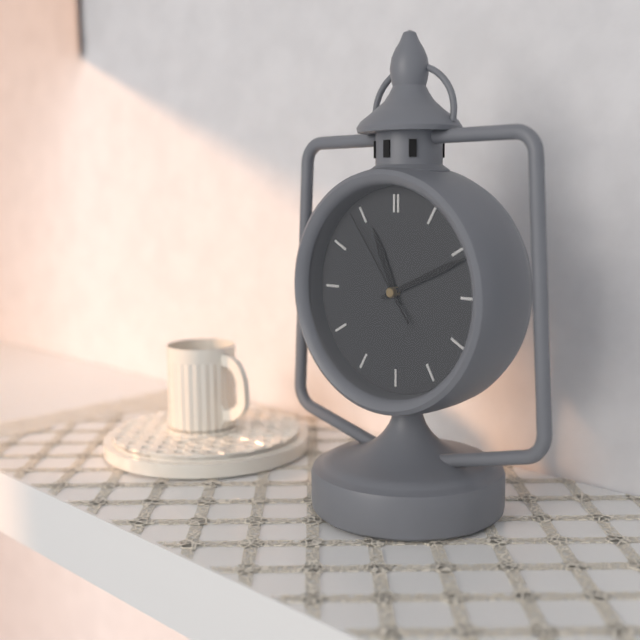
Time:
h=11 m=11 s=54
